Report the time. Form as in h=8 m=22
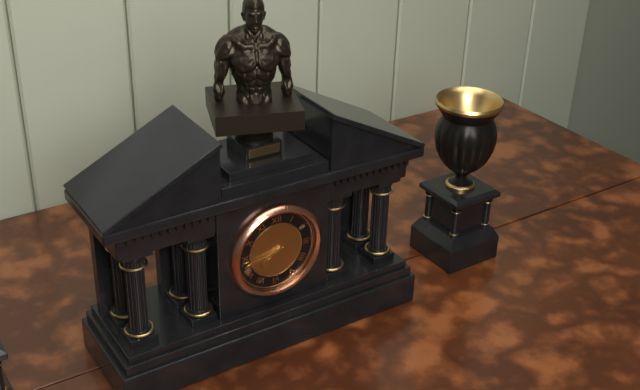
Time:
h=7 m=43
